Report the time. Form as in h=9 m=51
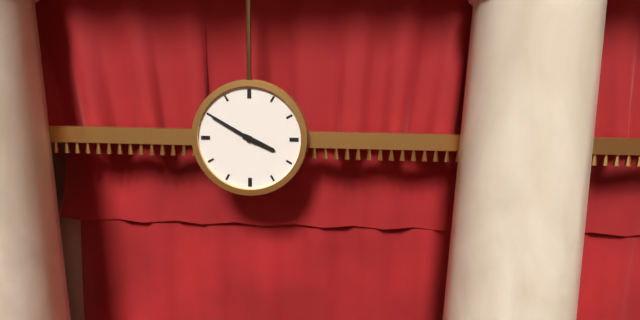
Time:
h=3 m=50
